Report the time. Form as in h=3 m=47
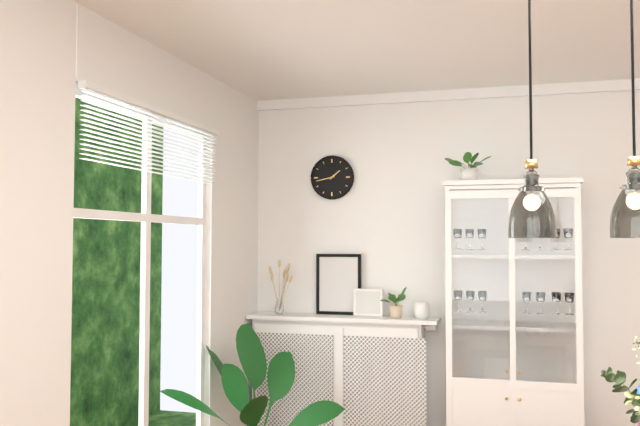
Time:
h=1 m=43
